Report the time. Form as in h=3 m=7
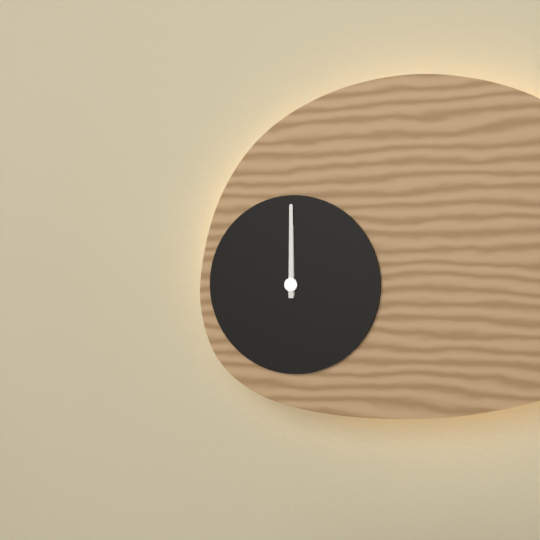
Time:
h=12 m=0
